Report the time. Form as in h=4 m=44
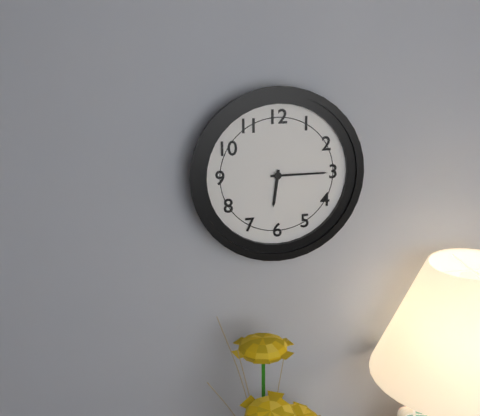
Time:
h=6 m=15
